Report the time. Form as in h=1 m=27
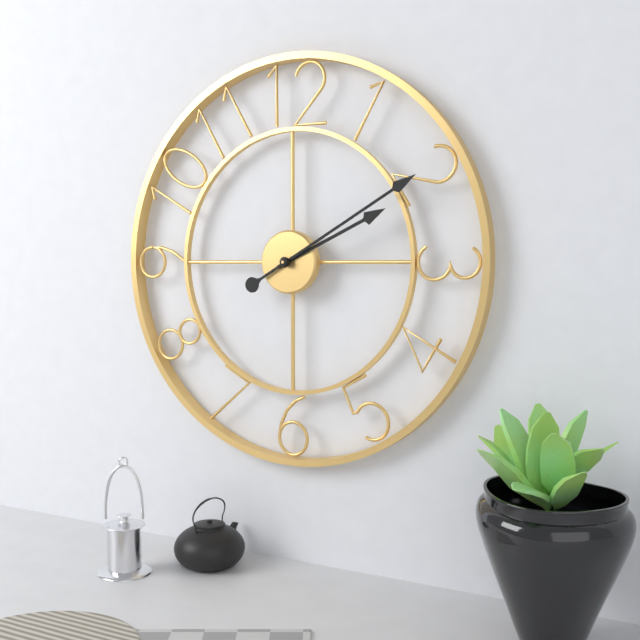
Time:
h=2 m=10
